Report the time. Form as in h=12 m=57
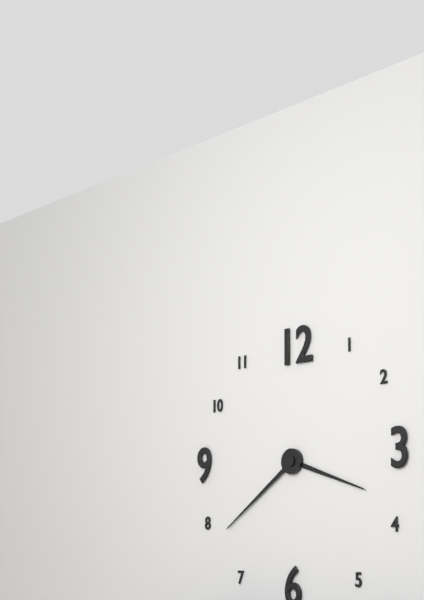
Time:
h=3 m=39
